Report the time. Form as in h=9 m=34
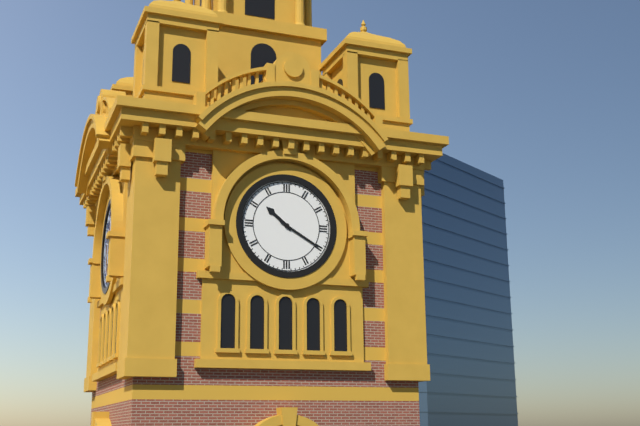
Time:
h=10 m=20
